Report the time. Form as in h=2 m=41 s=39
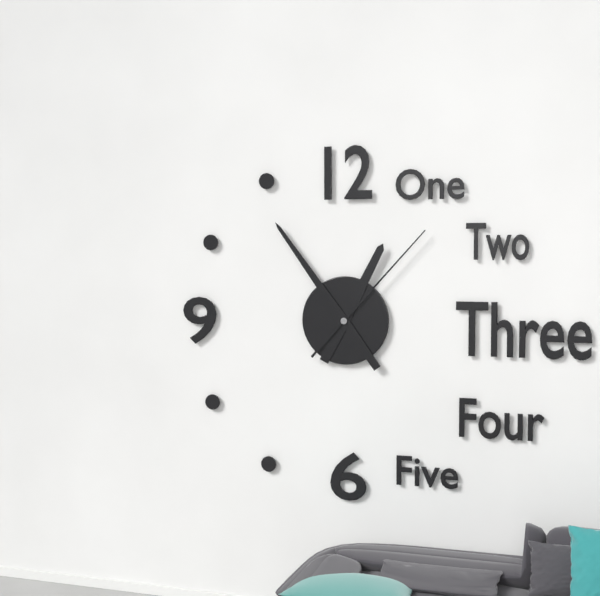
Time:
h=12 m=54 s=7
